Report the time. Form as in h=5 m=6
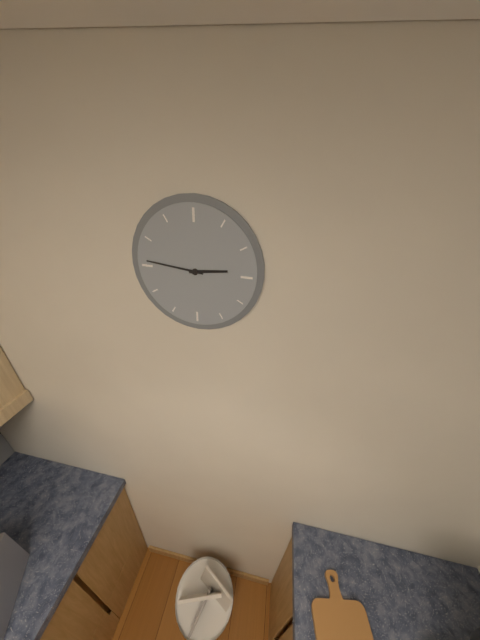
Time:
h=2 m=46
